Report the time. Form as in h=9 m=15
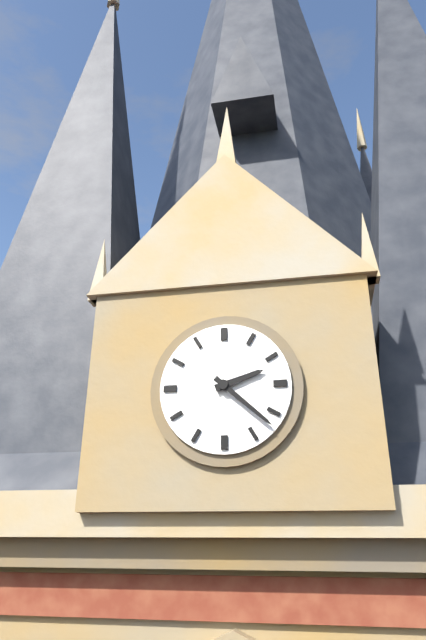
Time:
h=2 m=22
